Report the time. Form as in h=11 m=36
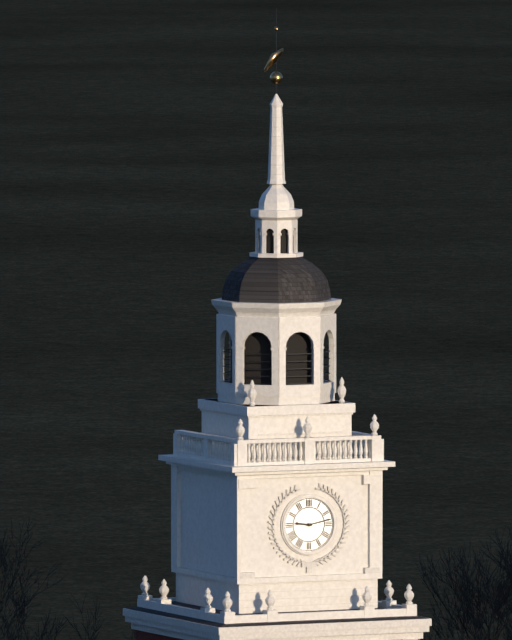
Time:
h=9 m=13
